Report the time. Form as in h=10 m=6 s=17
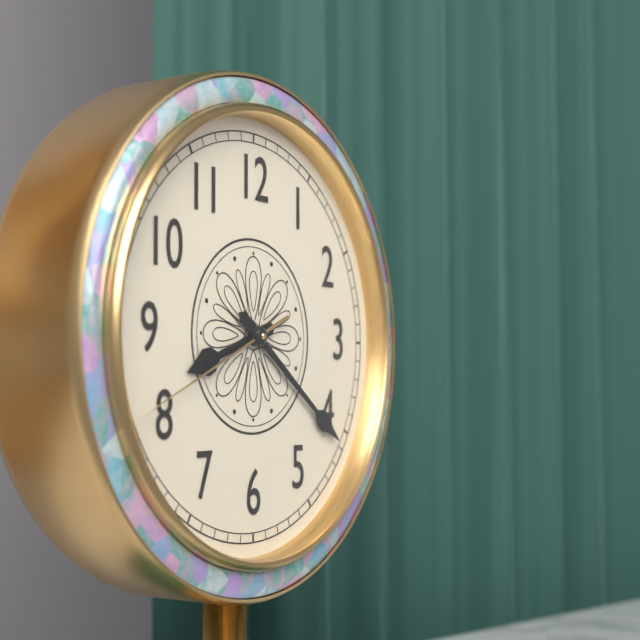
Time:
h=8 m=21 s=41
